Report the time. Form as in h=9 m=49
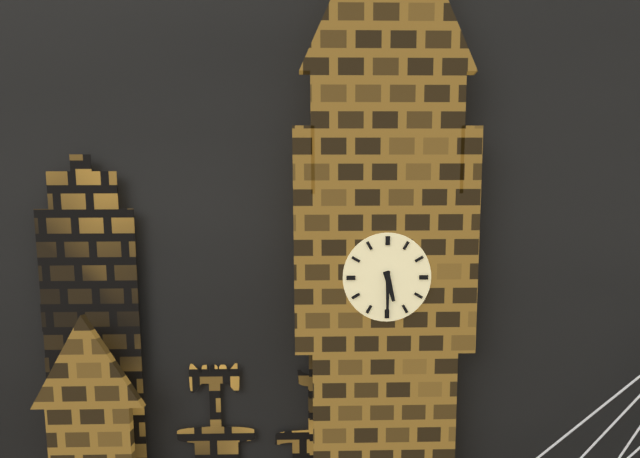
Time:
h=5 m=30
